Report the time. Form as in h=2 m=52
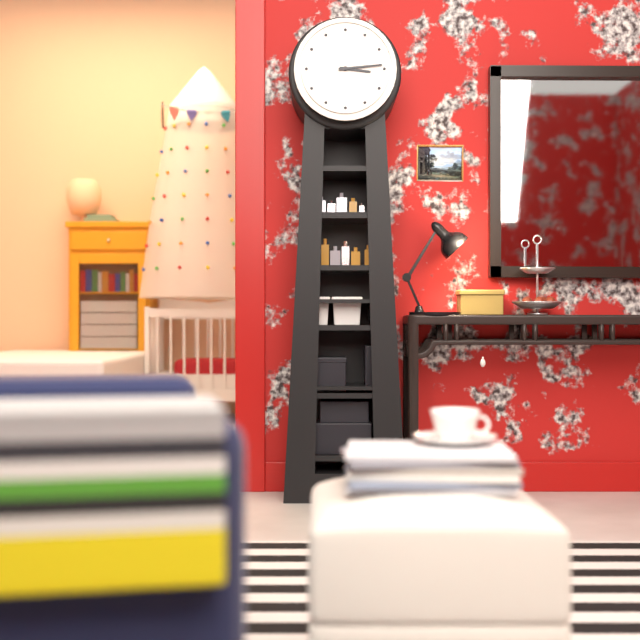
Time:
h=3 m=14
